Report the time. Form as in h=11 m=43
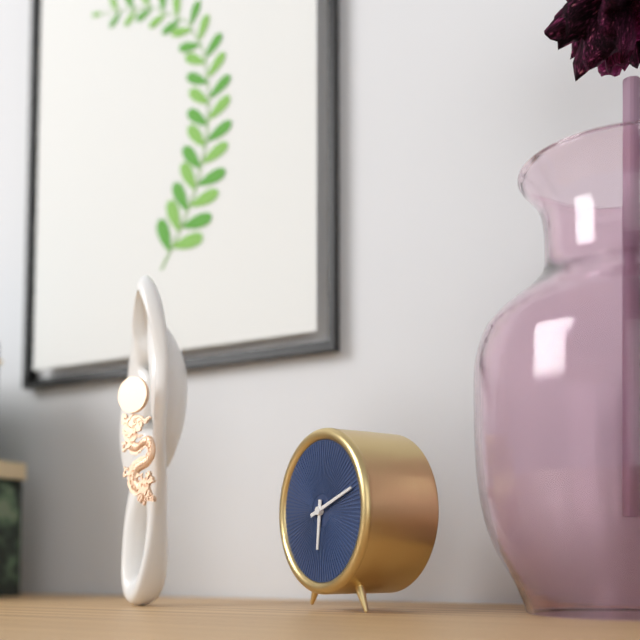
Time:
h=6 m=12
